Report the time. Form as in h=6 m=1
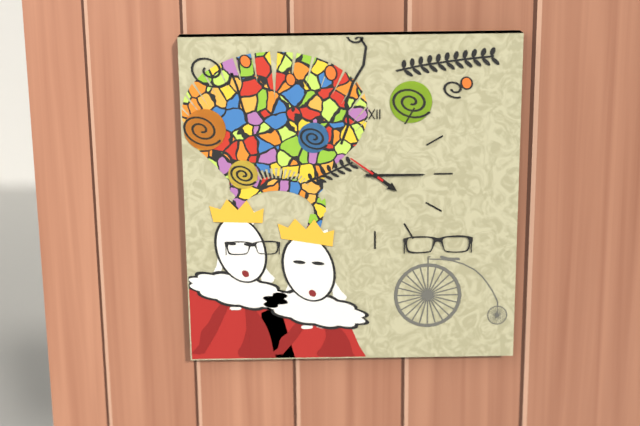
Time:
h=4 m=15
